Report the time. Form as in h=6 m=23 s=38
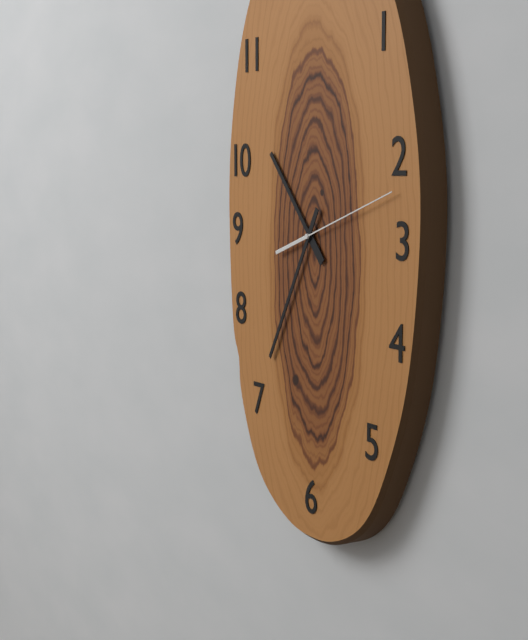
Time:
h=10 m=35 s=12
